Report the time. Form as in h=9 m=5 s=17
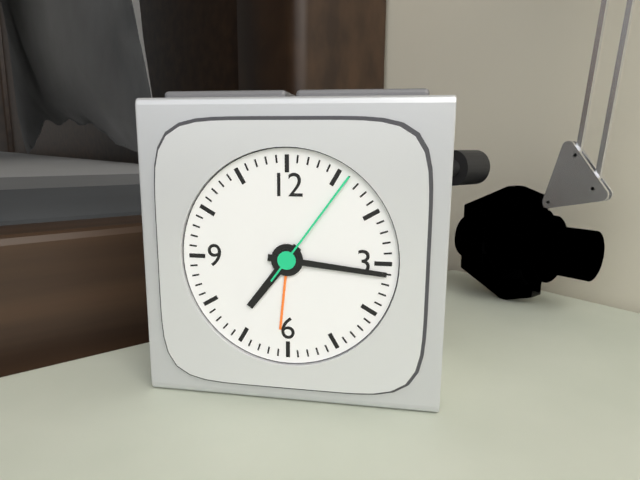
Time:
h=7 m=16 s=6
